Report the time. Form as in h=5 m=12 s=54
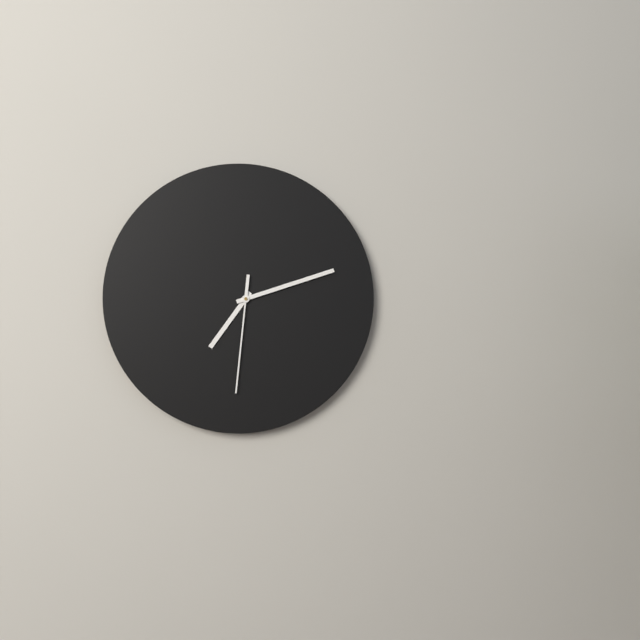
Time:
h=7 m=12 s=31
